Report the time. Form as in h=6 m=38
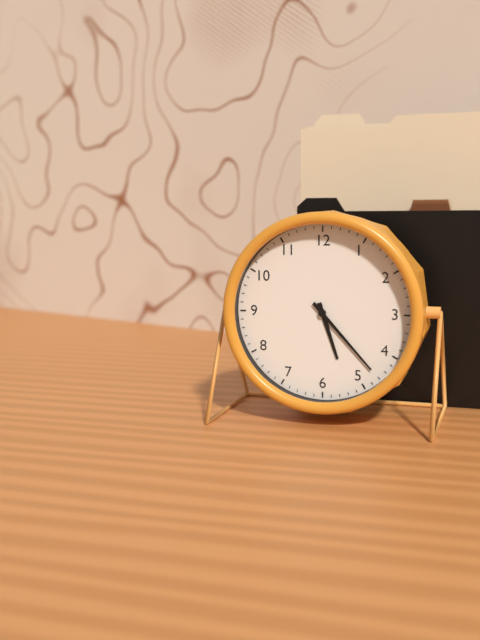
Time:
h=5 m=23
